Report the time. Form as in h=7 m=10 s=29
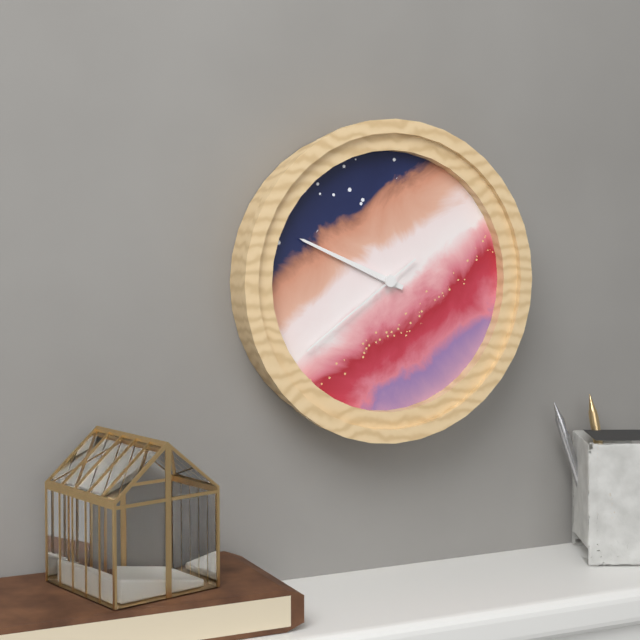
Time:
h=9 m=49 s=39
